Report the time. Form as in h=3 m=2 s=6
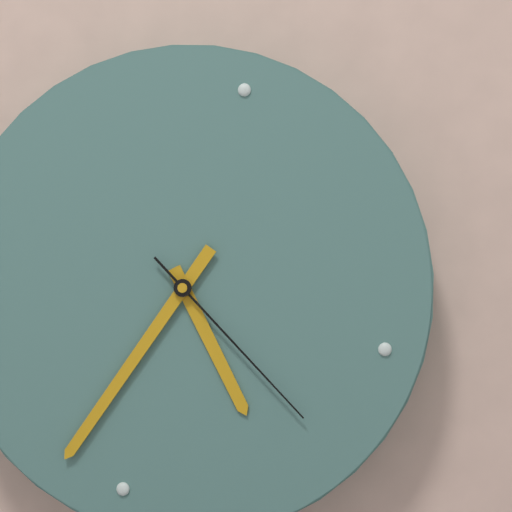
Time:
h=4 m=33 s=20
